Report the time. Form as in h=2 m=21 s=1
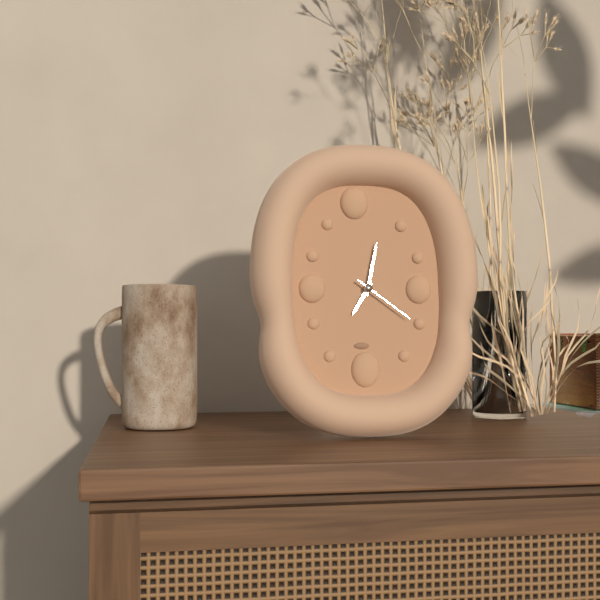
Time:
h=7 m=2 s=21
